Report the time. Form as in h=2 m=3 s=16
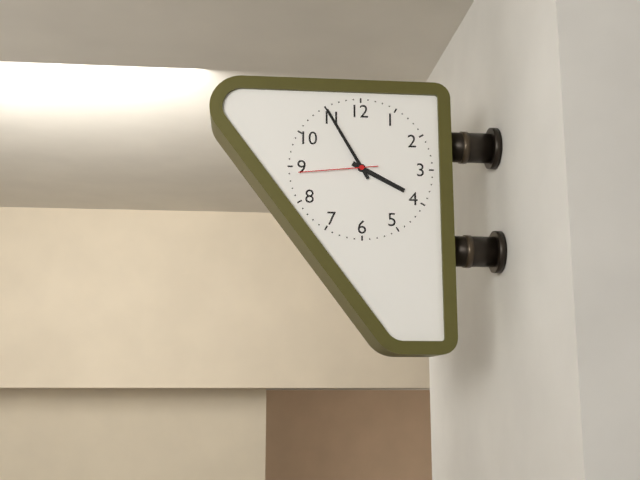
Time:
h=3 m=55 s=44
